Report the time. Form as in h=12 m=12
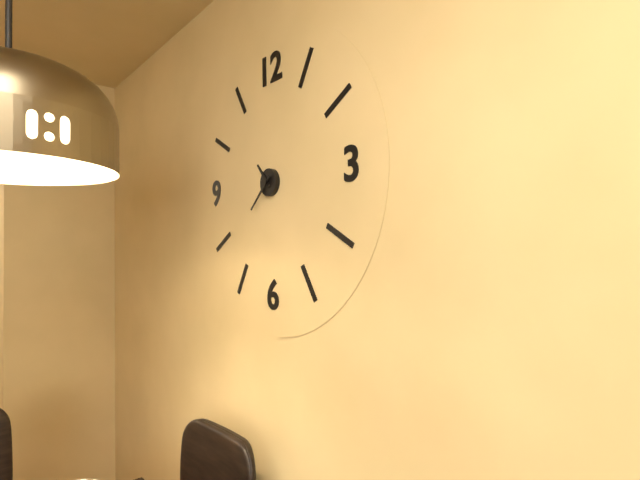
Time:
h=10 m=38
